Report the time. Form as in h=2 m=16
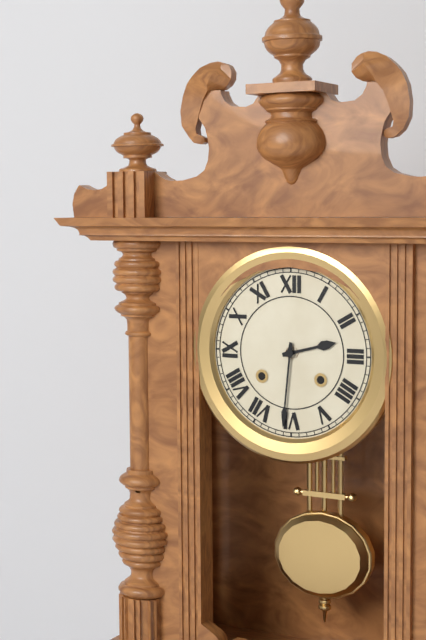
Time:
h=2 m=31
